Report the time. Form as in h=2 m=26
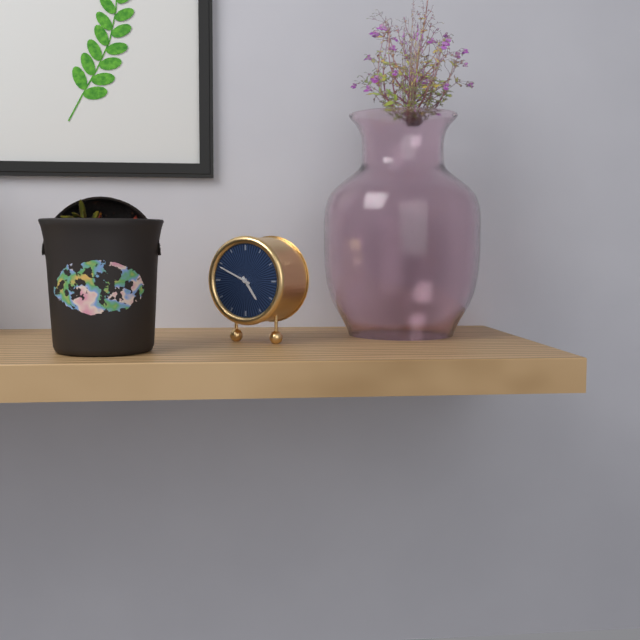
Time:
h=4 m=49
